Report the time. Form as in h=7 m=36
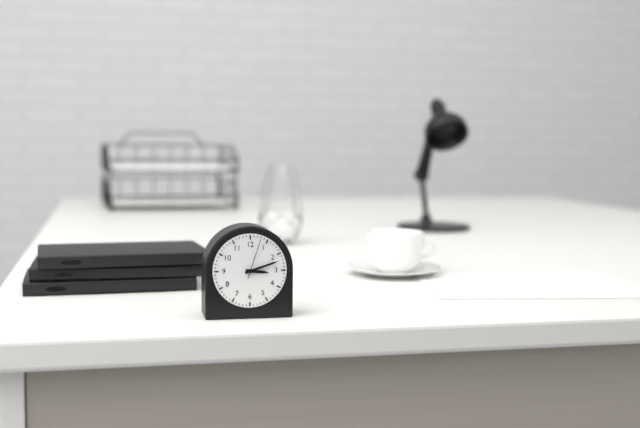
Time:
h=3 m=12
